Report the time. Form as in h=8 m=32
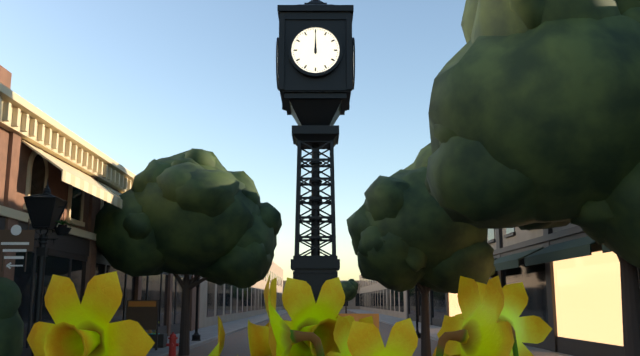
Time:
h=12 m=0
